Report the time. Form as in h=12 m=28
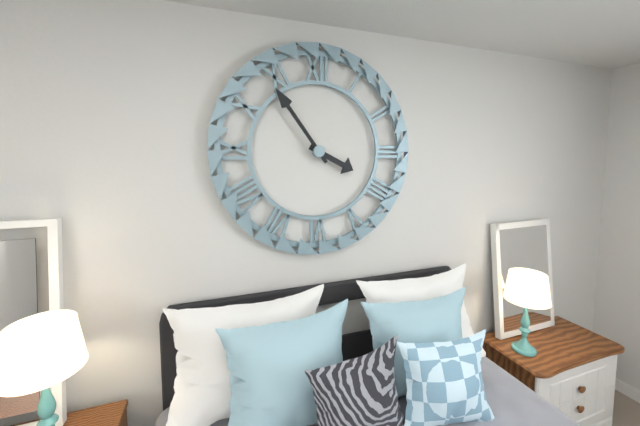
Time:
h=3 m=54
